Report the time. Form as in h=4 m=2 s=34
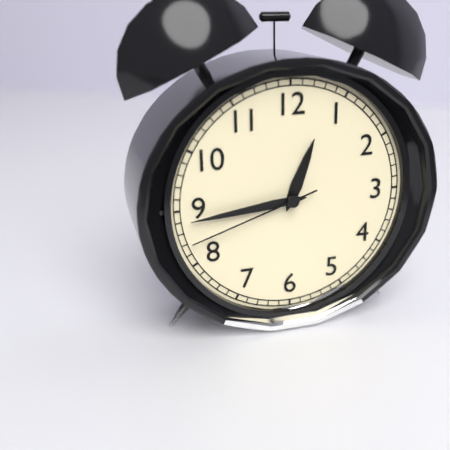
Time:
h=12 m=44 s=42
